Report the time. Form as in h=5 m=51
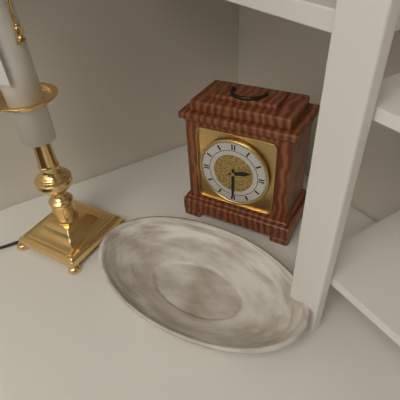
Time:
h=2 m=30
